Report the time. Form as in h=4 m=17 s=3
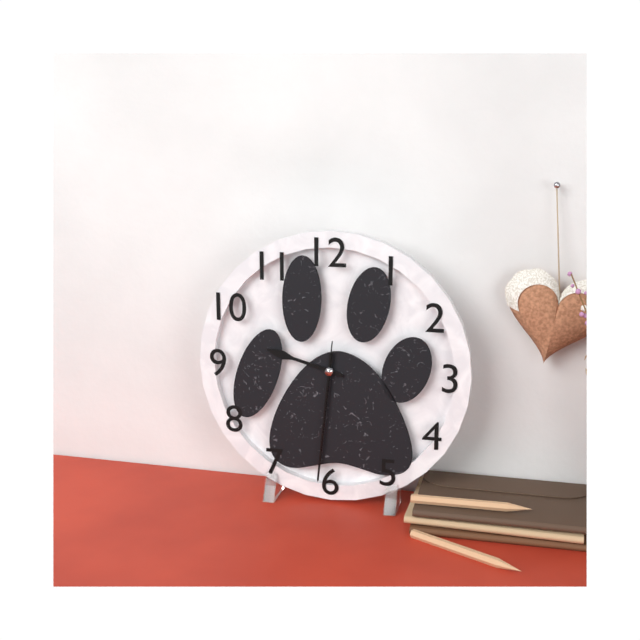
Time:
h=9 m=31 s=31
